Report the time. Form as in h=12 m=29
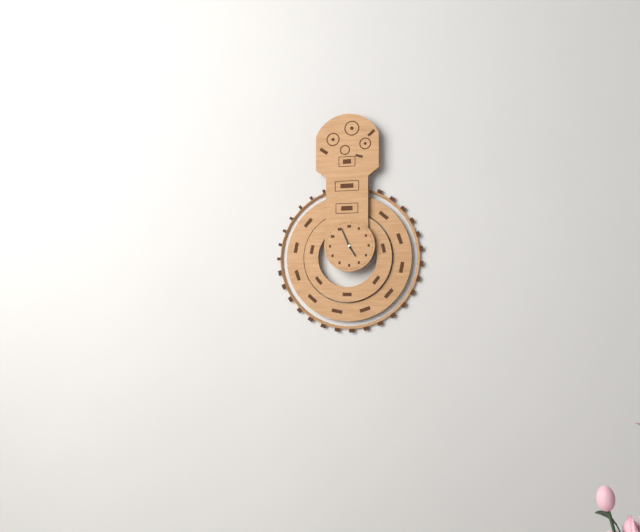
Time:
h=4 m=56
